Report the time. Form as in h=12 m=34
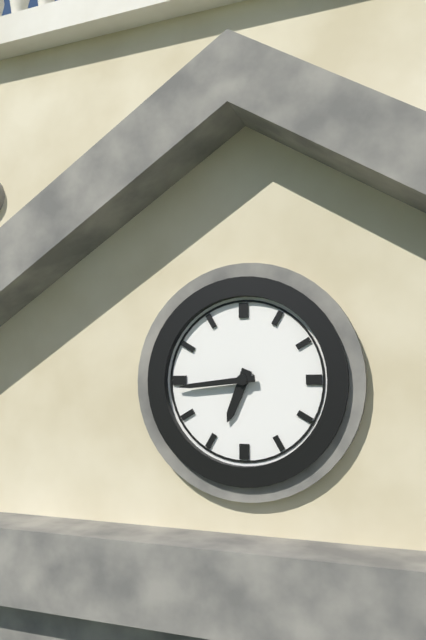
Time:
h=6 m=44
